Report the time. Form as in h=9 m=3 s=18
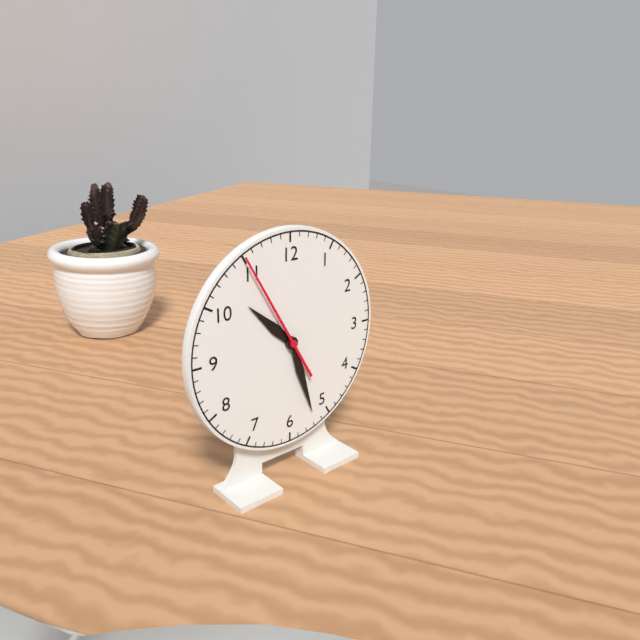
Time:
h=10 m=27 s=55
